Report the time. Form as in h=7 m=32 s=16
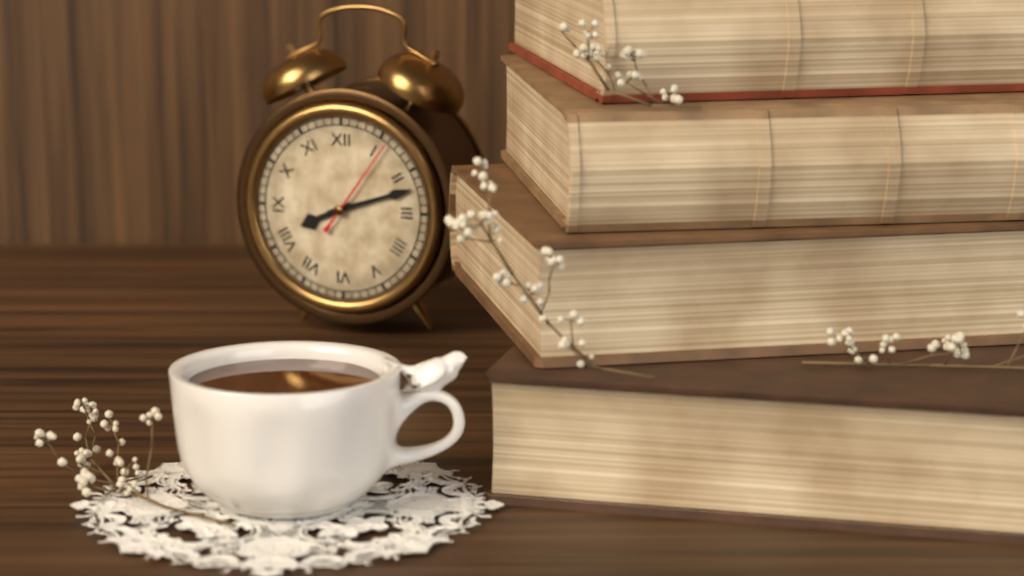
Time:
h=8 m=12 s=6
